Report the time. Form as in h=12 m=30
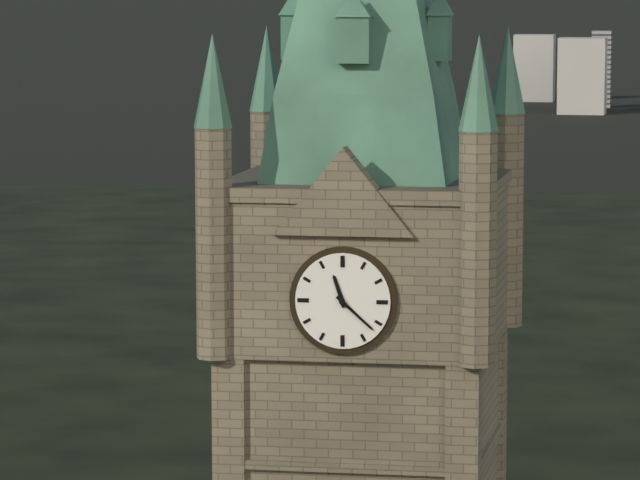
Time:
h=11 m=22
